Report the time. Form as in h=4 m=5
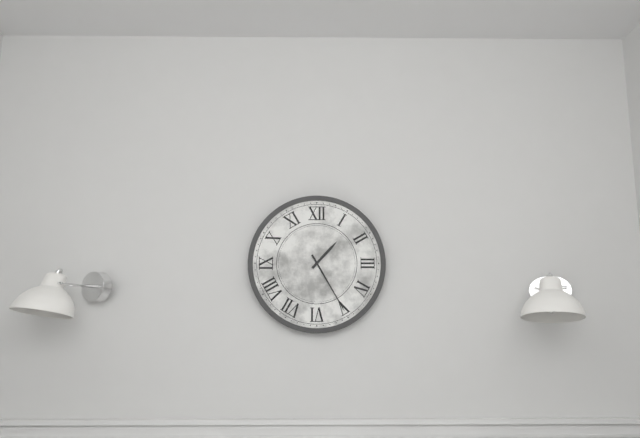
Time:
h=1 m=25
